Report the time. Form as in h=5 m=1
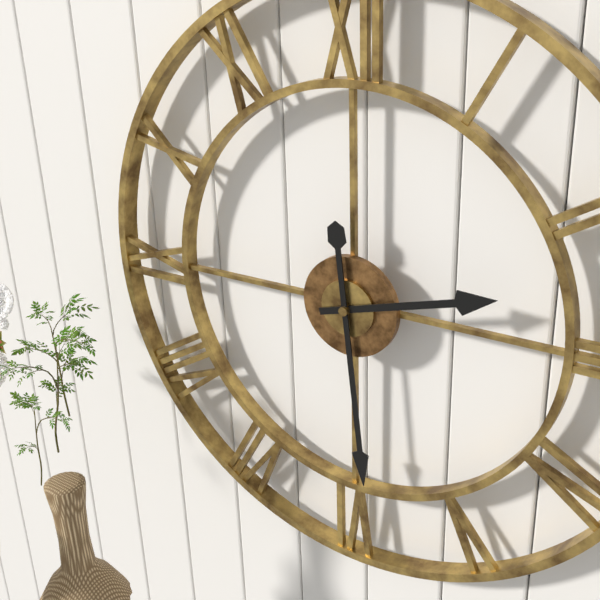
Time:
h=2 m=29
